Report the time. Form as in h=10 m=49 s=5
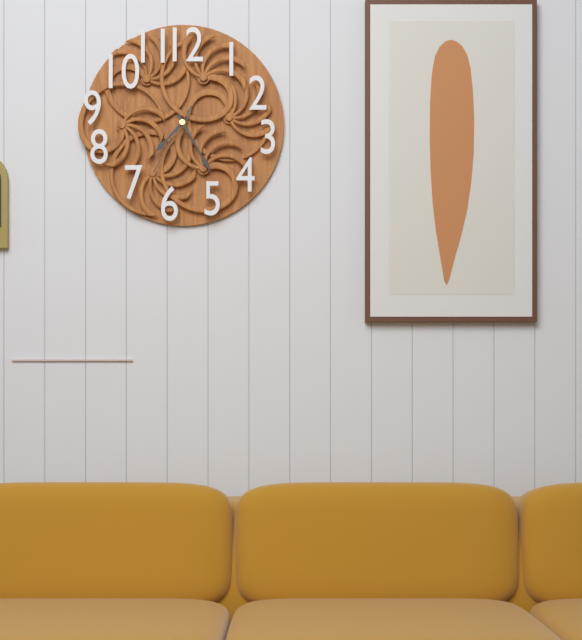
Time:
h=7 m=25 s=35
